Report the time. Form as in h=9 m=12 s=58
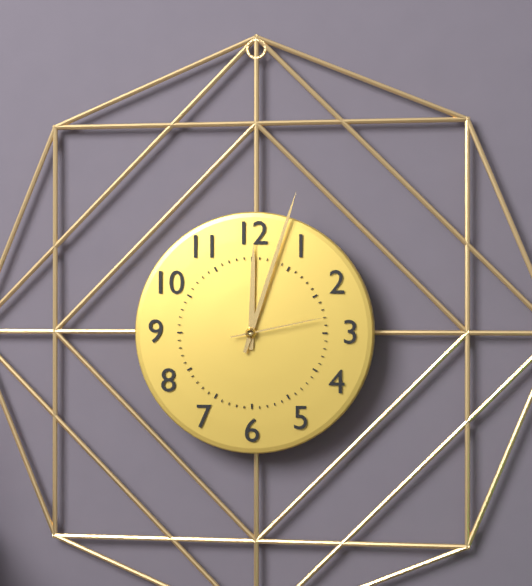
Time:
h=12 m=3 s=13
